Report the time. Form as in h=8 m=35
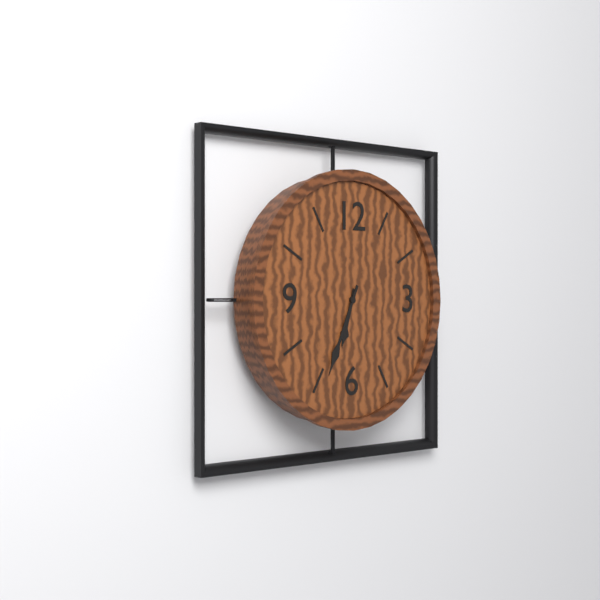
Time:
h=6 m=34
